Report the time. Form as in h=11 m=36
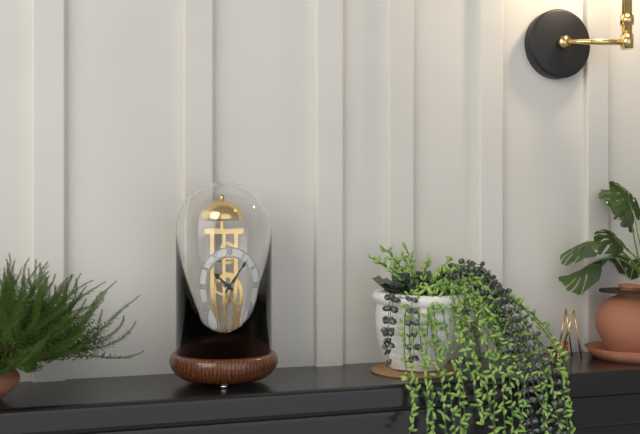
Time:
h=10 m=7
